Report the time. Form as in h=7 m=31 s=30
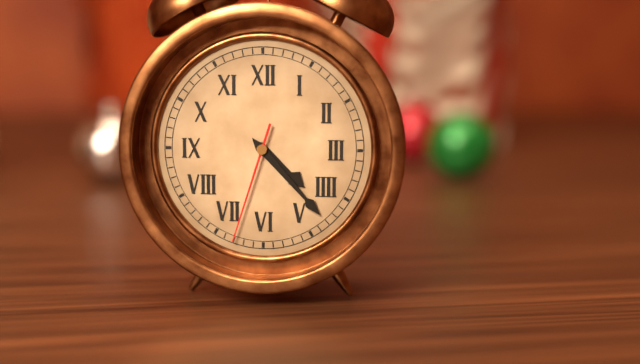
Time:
h=4 m=23 s=33
